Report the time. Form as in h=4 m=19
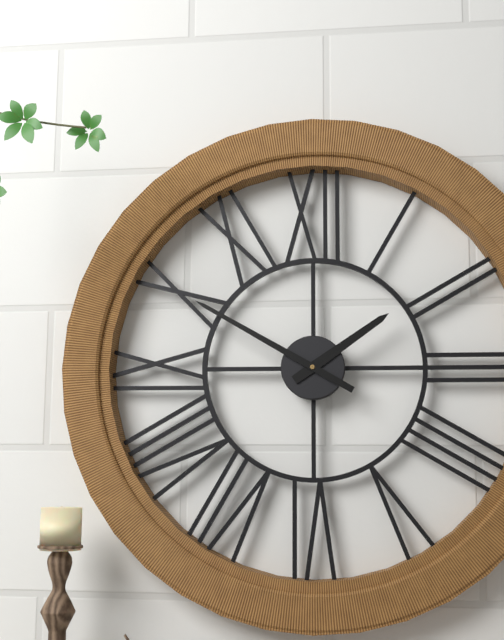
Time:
h=1 m=50
